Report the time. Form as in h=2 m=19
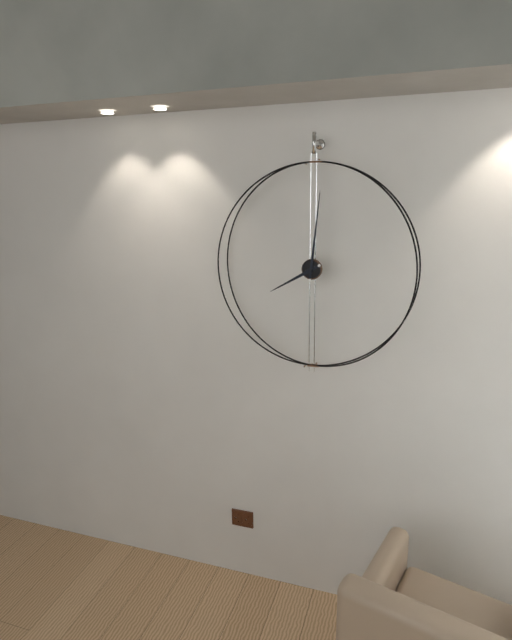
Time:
h=8 m=1
